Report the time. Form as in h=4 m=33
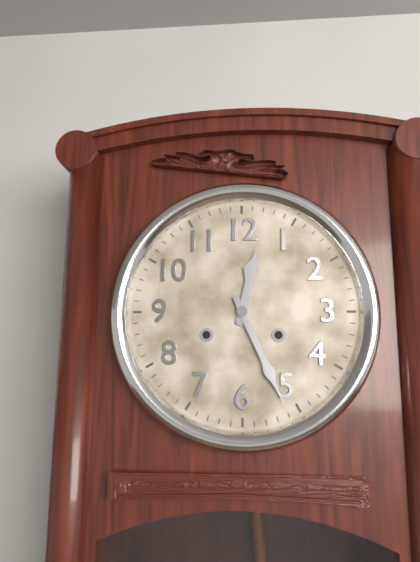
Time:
h=12 m=26
